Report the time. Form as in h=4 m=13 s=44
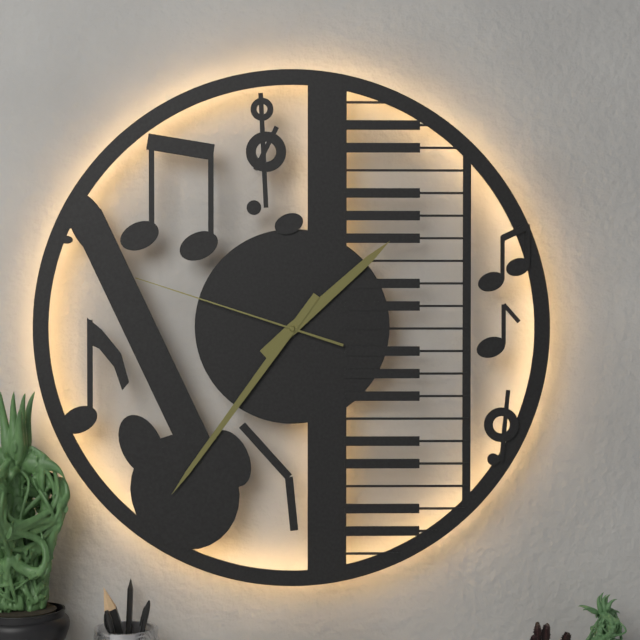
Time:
h=1 m=36 s=48
